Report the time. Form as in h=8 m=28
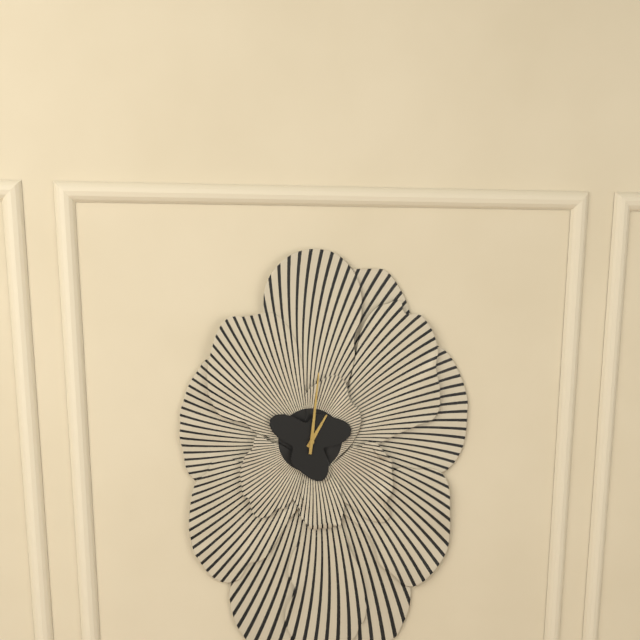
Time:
h=1 m=1
